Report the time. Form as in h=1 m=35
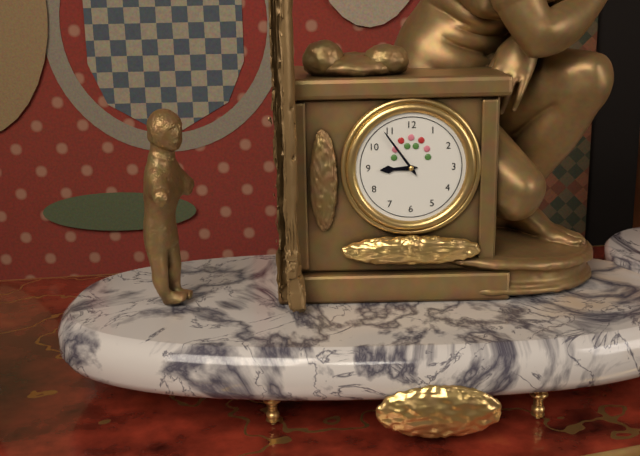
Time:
h=8 m=54
